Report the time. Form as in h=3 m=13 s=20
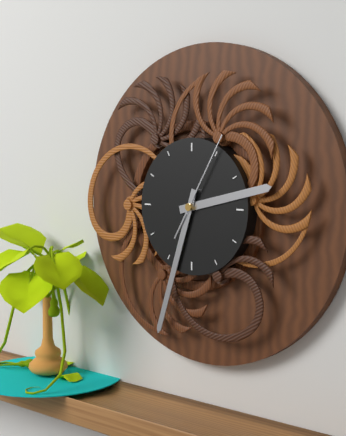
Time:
h=2 m=33 s=5
